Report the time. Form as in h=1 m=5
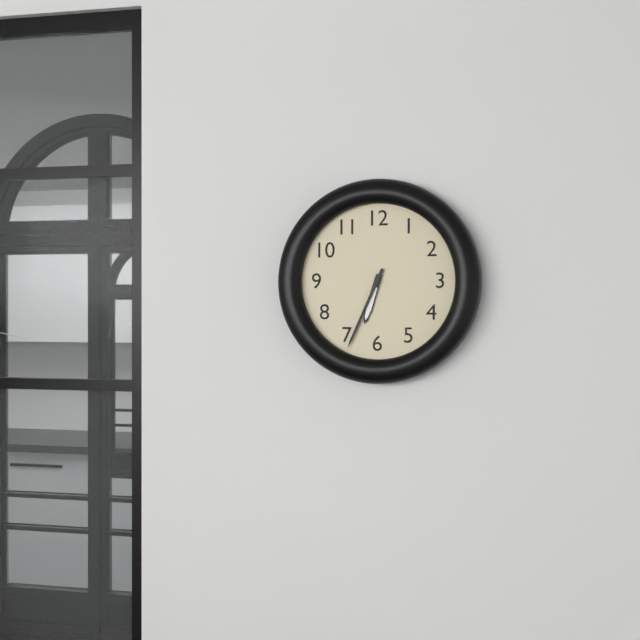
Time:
h=6 m=34
